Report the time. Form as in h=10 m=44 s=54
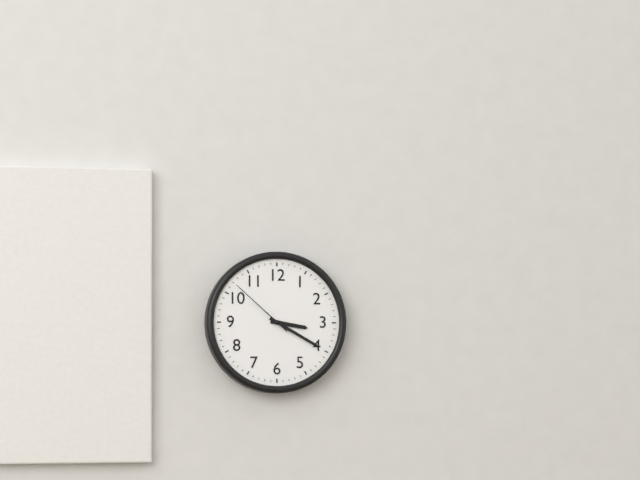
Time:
h=3 m=20 s=52
